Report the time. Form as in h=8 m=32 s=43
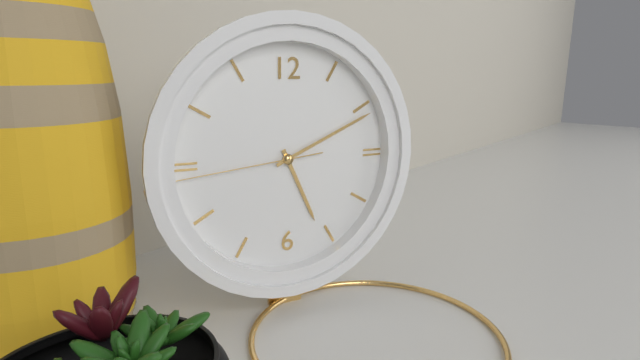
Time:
h=5 m=11 s=44
